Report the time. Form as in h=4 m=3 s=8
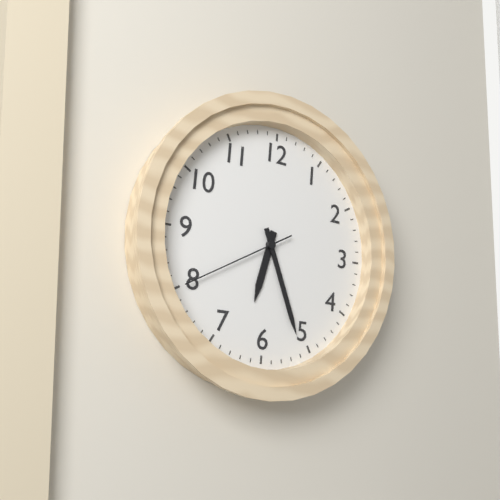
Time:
h=6 m=26 s=40
